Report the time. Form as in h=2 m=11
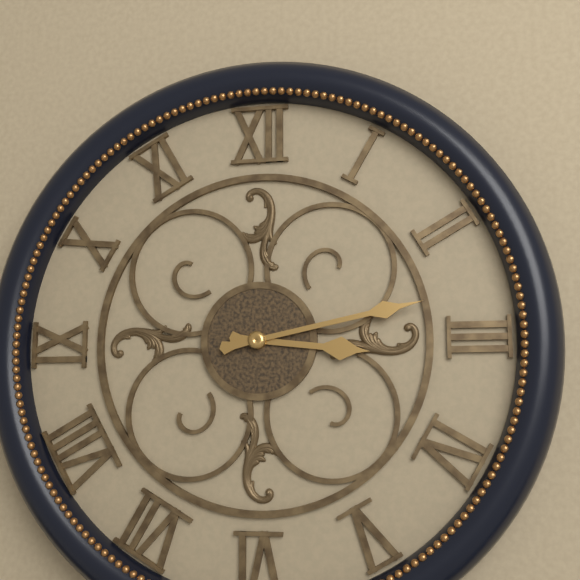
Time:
h=3 m=13
